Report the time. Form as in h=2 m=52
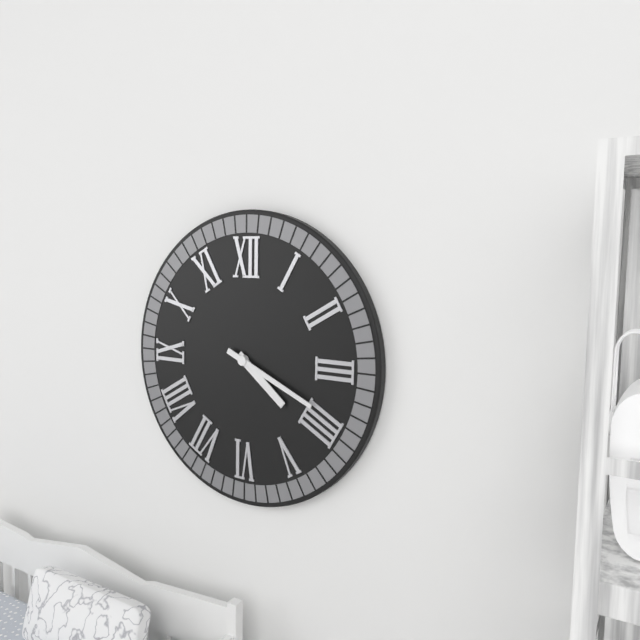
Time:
h=4 m=19
